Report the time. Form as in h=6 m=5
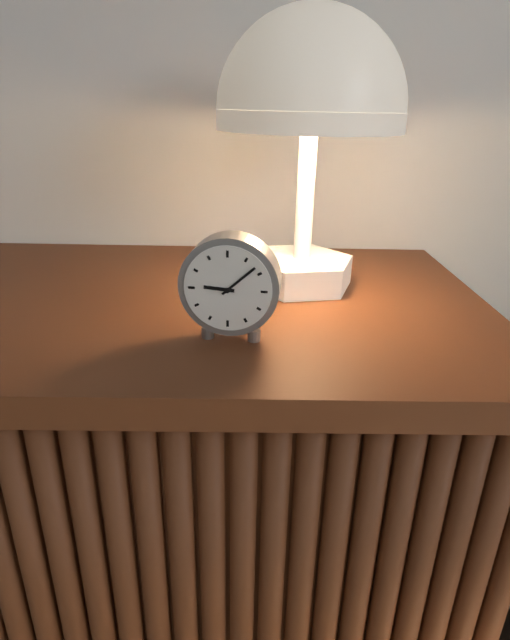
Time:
h=9 m=8
